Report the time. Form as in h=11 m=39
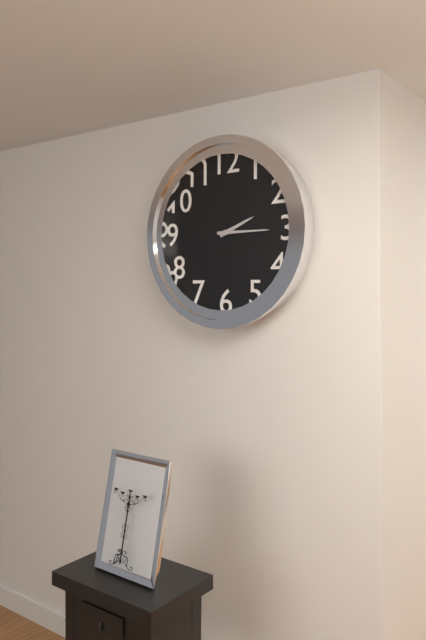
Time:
h=2 m=15
